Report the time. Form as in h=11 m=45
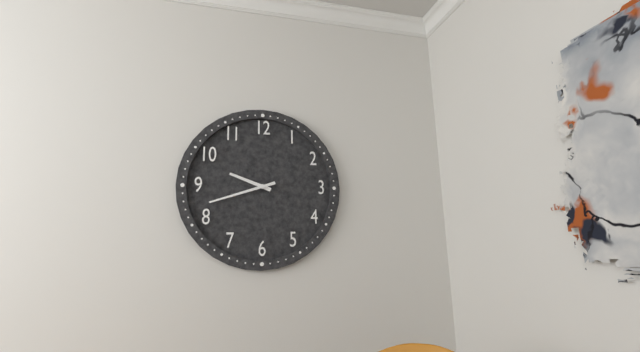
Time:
h=9 m=42
